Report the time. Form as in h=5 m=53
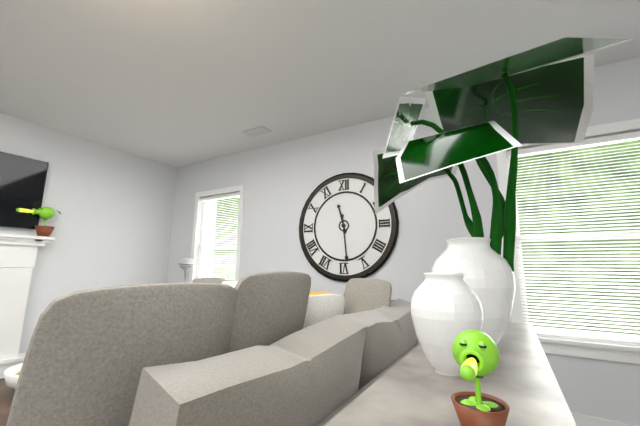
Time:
h=11 m=29
